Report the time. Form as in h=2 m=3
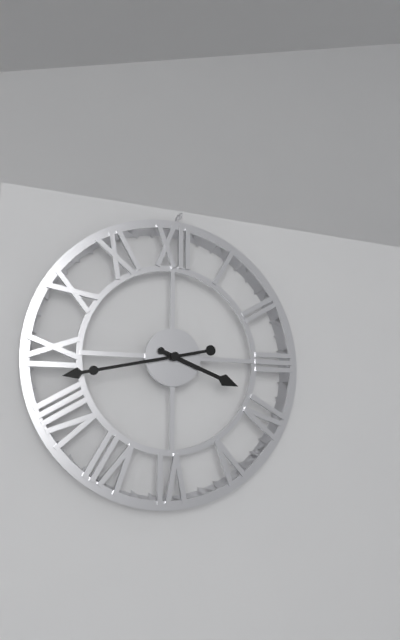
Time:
h=3 m=43
